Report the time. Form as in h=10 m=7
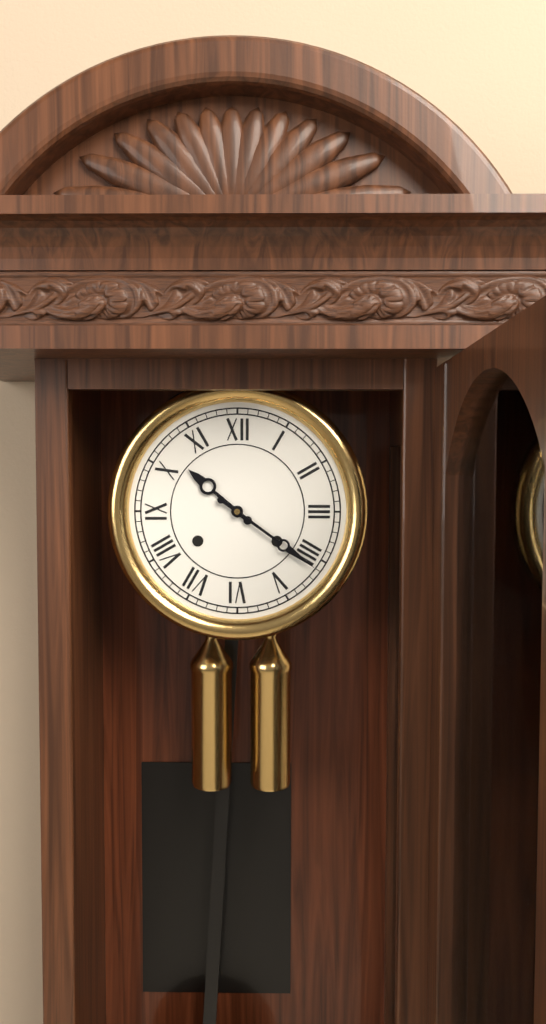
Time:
h=10 m=21
